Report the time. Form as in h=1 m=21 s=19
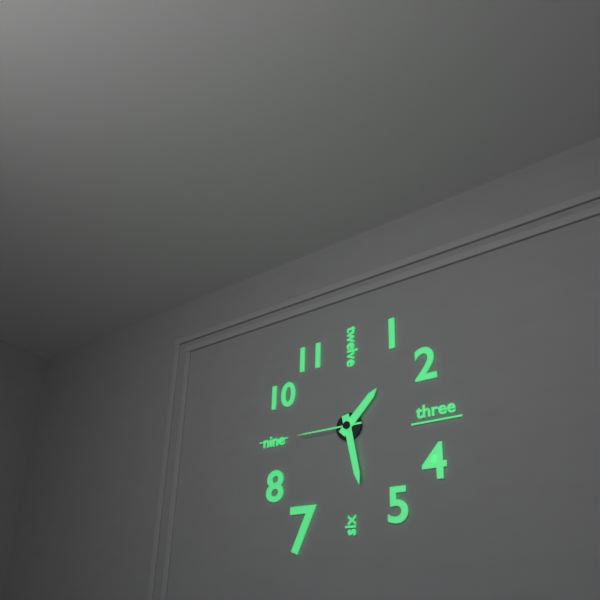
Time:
h=1 m=28 s=45
